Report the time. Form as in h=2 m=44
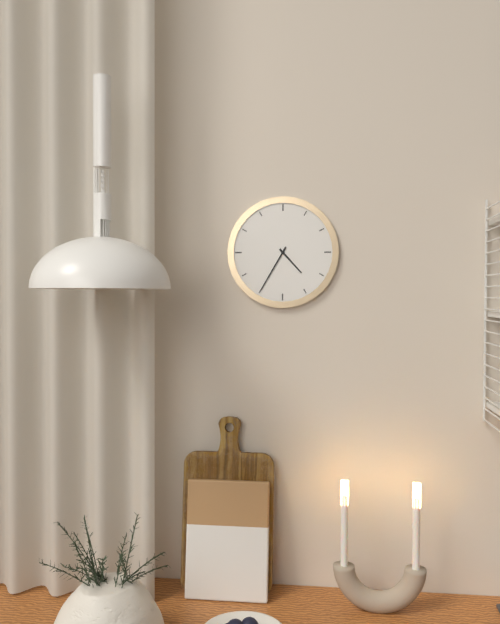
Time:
h=4 m=35
